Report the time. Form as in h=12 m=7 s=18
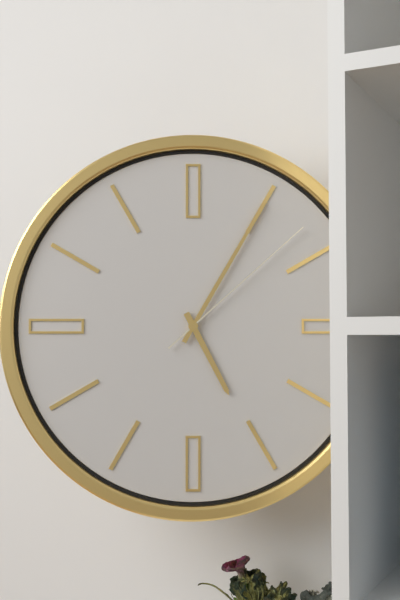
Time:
h=5 m=5 s=8
